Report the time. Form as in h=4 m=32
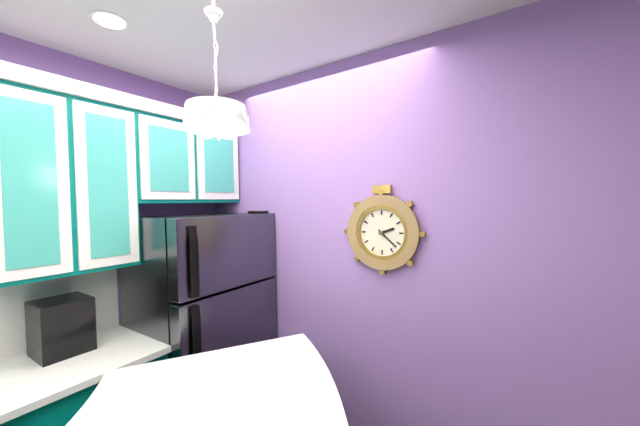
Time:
h=2 m=22
